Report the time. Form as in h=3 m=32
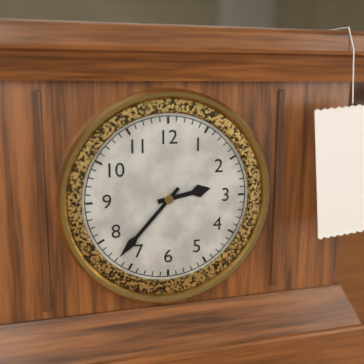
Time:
h=2 m=37
